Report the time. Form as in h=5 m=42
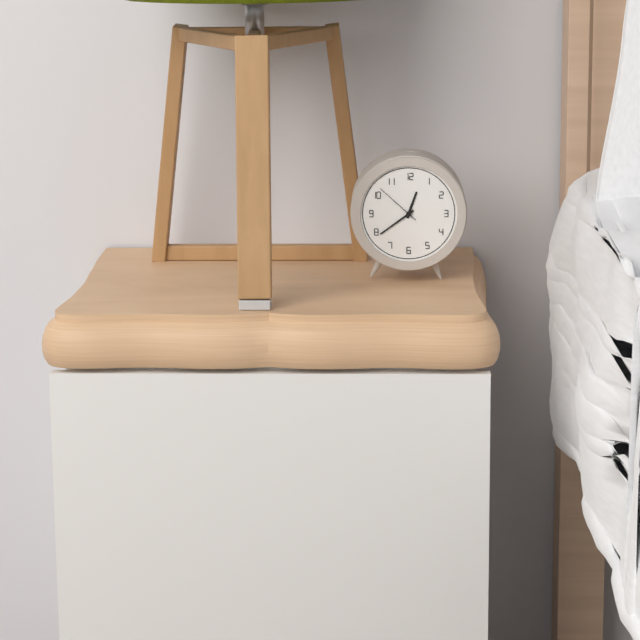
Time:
h=12 m=39
